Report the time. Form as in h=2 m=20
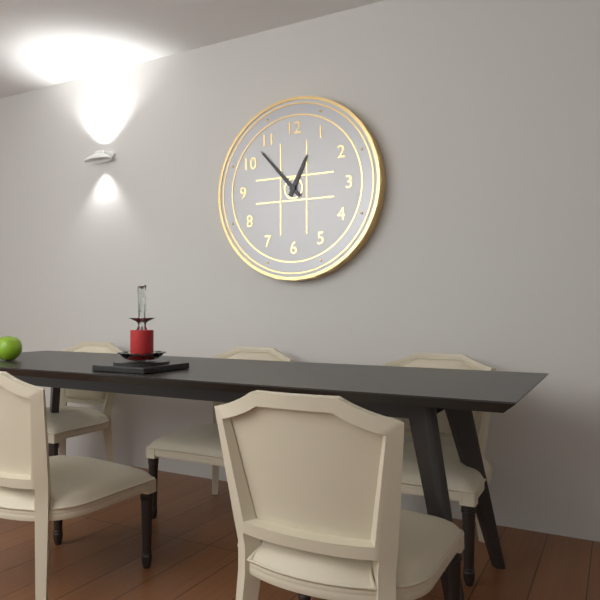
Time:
h=12 m=53
